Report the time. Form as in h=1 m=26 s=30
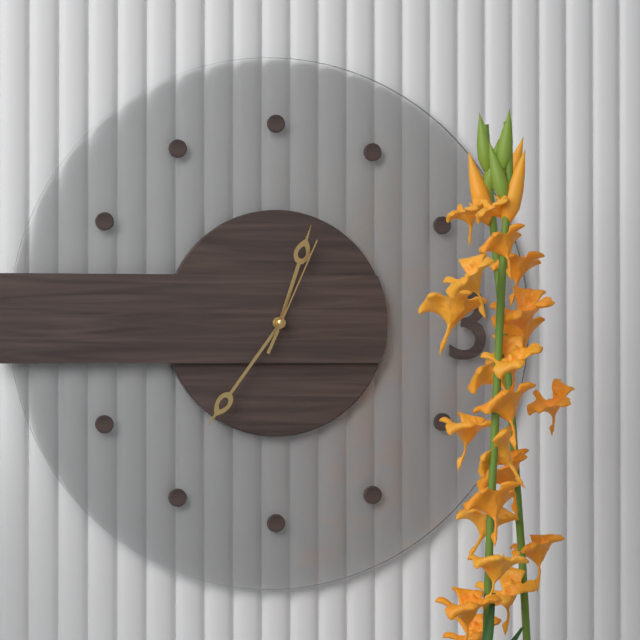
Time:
h=12 m=36 s=4
